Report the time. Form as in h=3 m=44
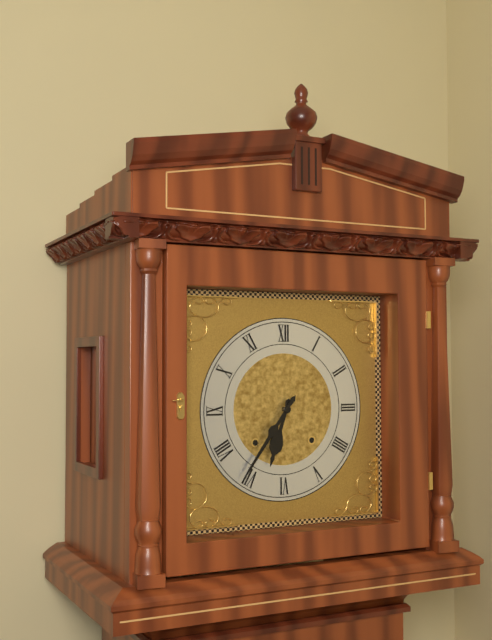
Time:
h=6 m=36
